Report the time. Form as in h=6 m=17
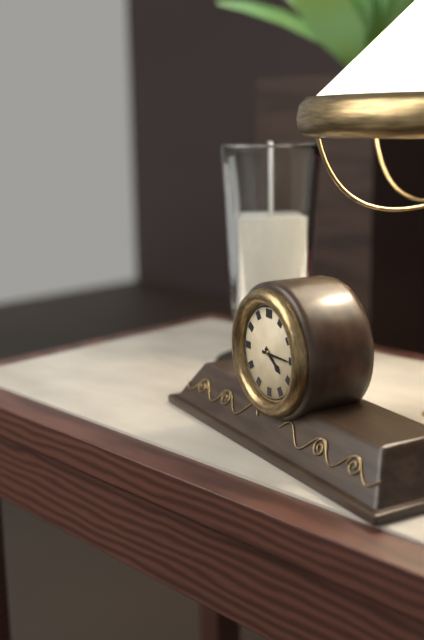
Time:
h=4 m=15
